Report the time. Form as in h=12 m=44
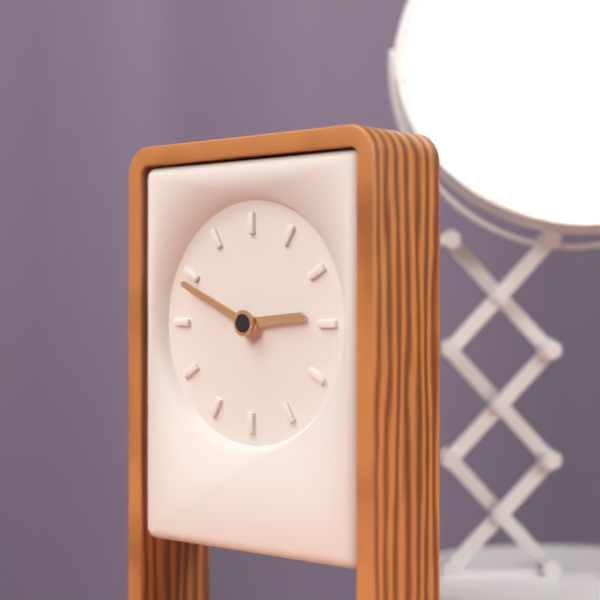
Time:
h=2 m=49
